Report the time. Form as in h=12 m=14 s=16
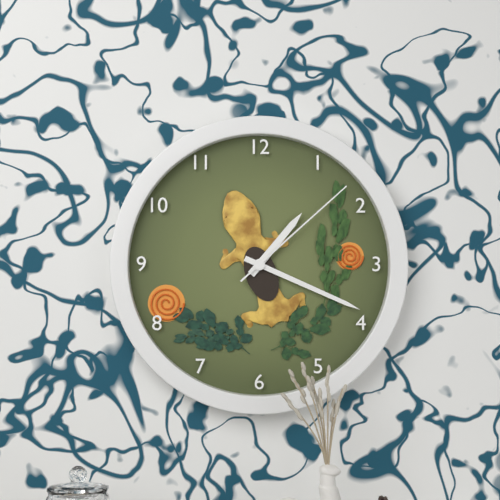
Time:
h=1 m=19 s=8
